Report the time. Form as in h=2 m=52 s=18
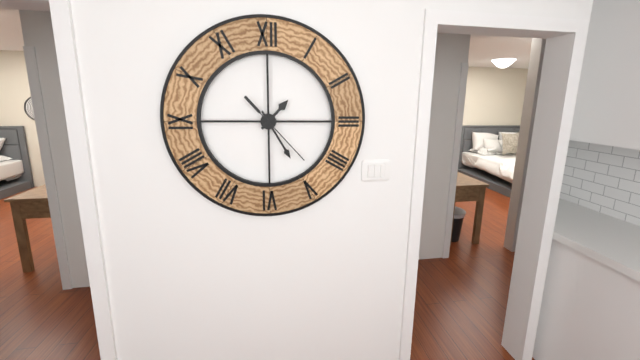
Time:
h=1 m=25 s=23
